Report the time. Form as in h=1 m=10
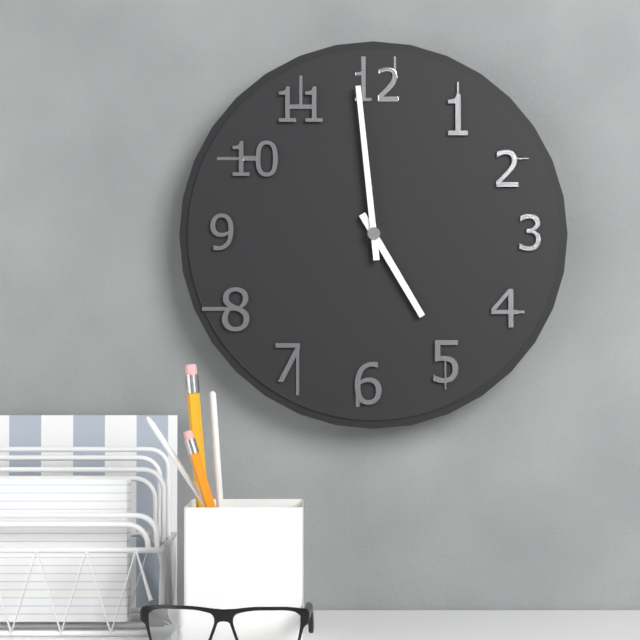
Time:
h=4 m=59
